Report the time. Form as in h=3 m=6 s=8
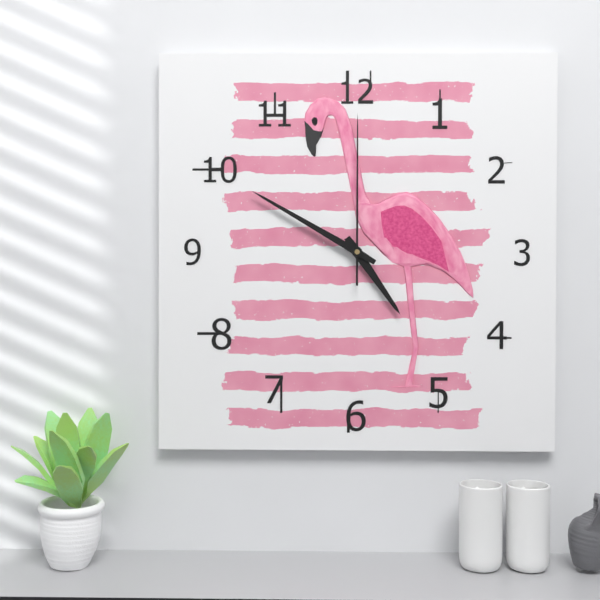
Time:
h=4 m=50 s=0
